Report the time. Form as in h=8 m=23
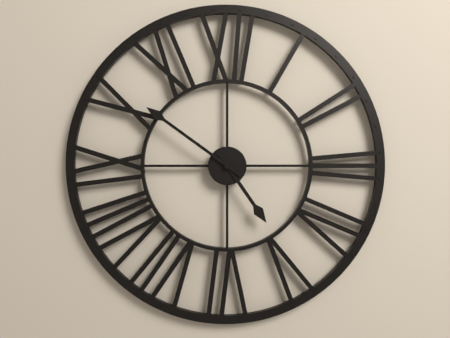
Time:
h=4 m=51
